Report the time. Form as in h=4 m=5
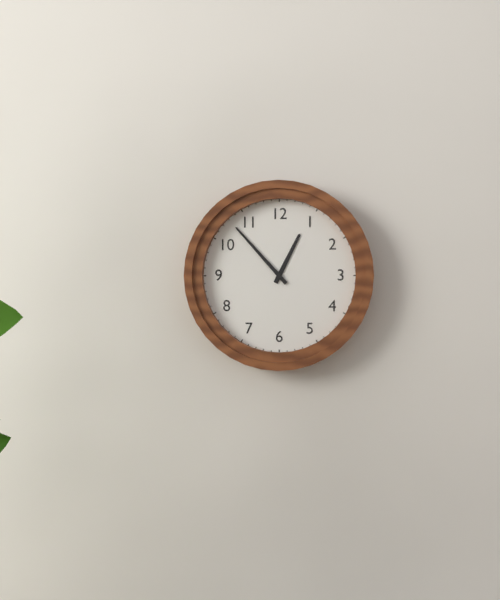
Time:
h=12 m=53
